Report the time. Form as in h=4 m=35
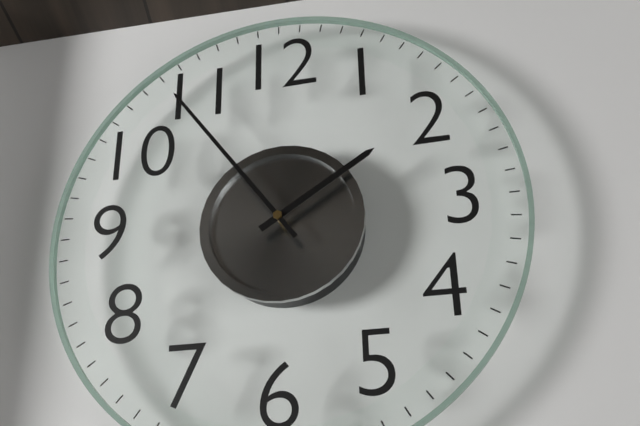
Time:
h=1 m=54
